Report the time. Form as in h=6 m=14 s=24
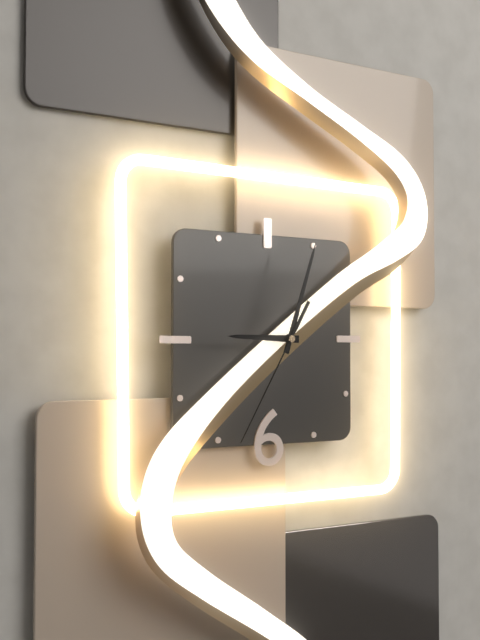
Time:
h=9 m=3 s=35
